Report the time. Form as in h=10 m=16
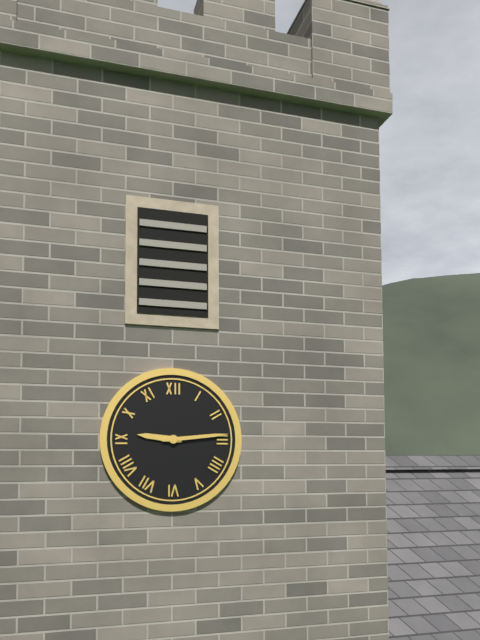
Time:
h=9 m=14
